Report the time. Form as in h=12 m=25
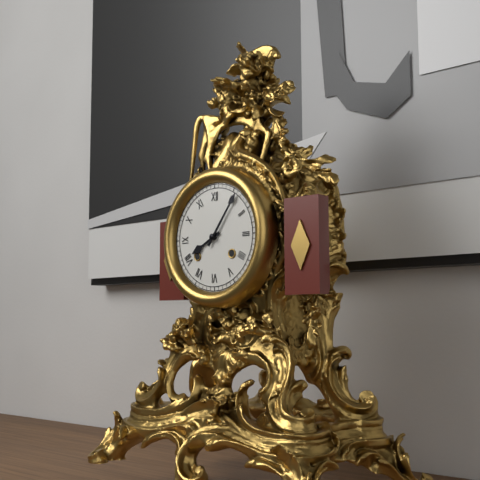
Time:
h=8 m=6
